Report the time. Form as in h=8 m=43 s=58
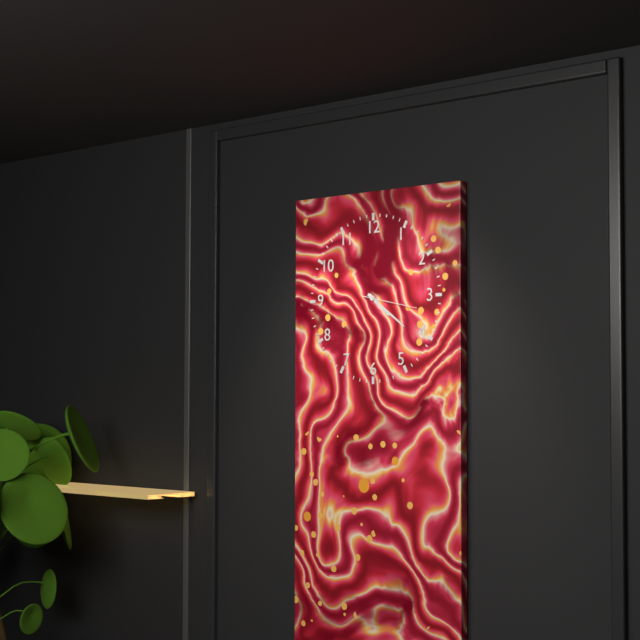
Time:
h=4 m=21 s=17
